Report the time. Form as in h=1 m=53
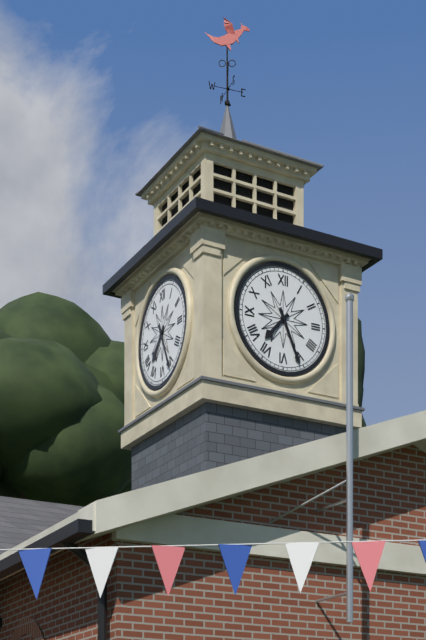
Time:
h=7 m=26
